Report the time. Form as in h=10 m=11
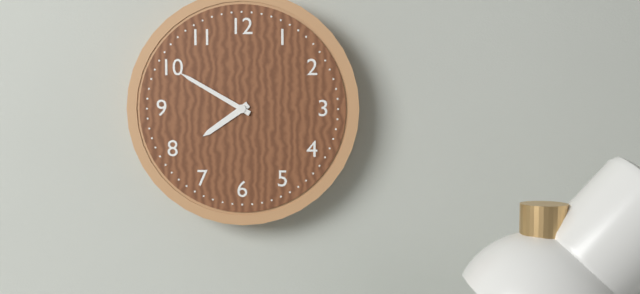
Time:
h=7 m=50
